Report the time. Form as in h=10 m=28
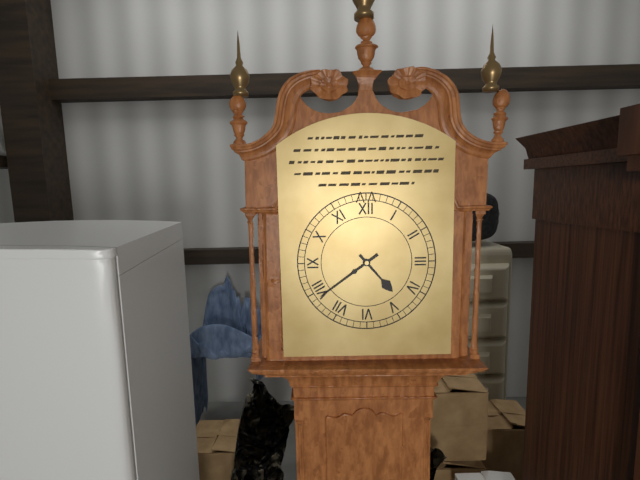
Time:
h=4 m=39
